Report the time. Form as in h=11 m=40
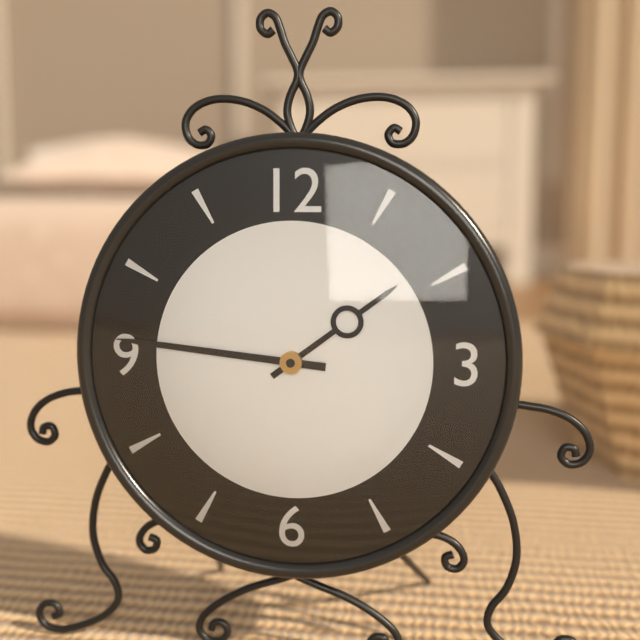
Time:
h=1 m=46
